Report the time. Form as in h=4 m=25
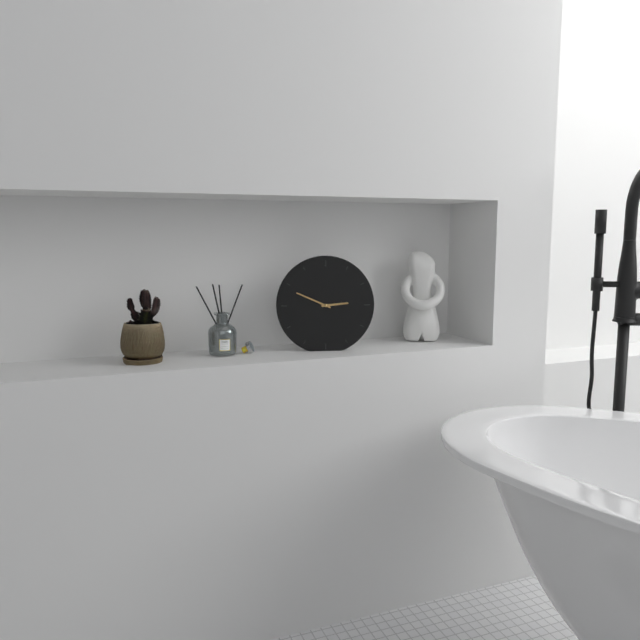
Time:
h=2 m=49
